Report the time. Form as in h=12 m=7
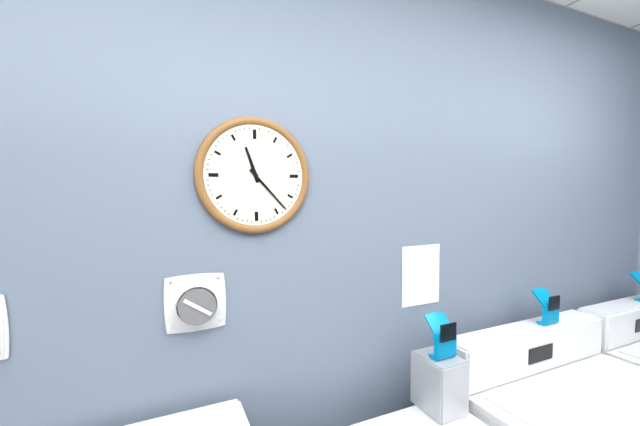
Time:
h=11 m=23
